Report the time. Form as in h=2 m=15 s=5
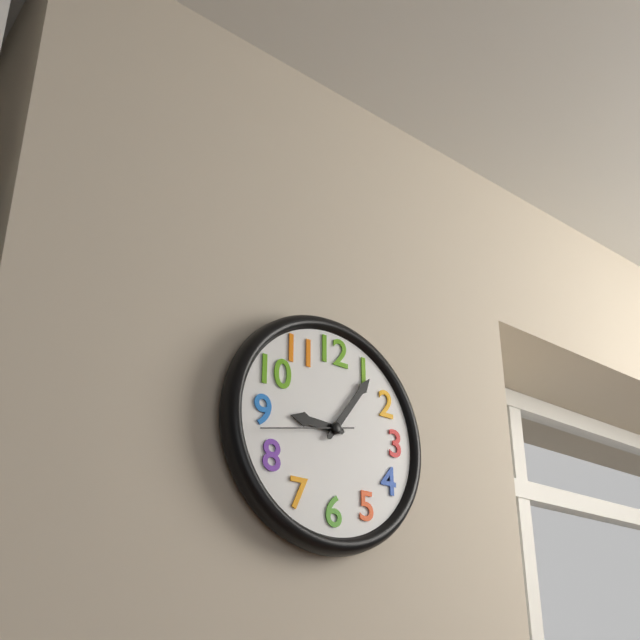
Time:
h=9 m=6 s=43
